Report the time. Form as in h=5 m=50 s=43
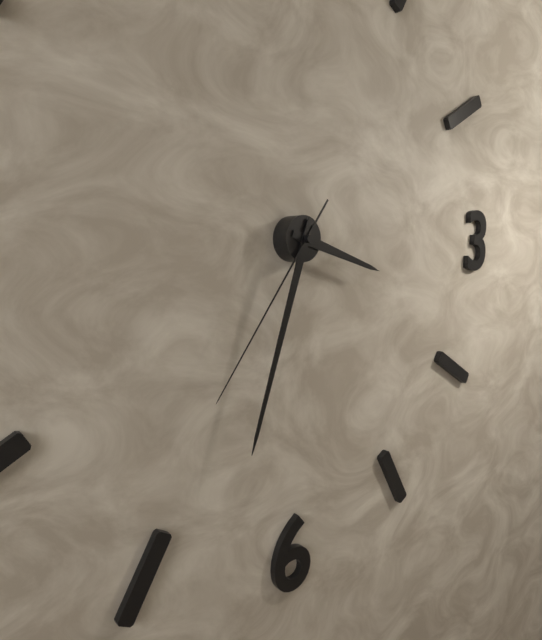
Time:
h=3 m=33 s=36
